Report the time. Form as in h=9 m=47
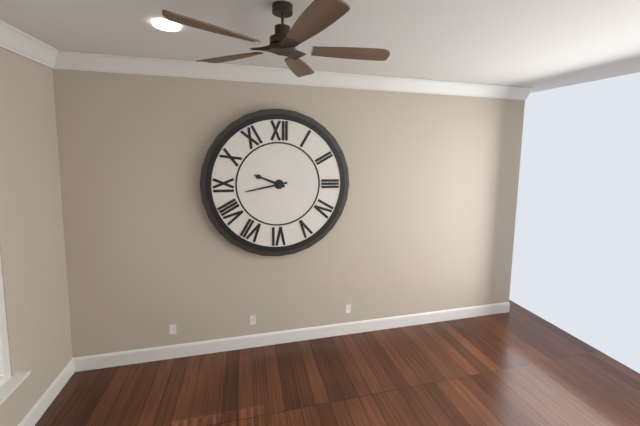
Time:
h=9 m=43
